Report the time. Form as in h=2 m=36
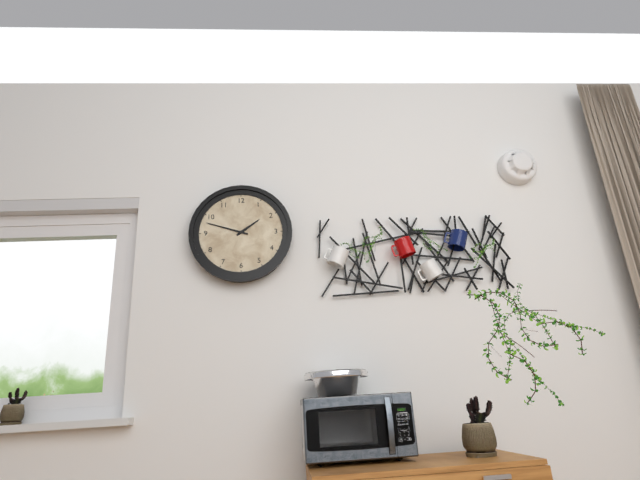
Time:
h=1 m=48
